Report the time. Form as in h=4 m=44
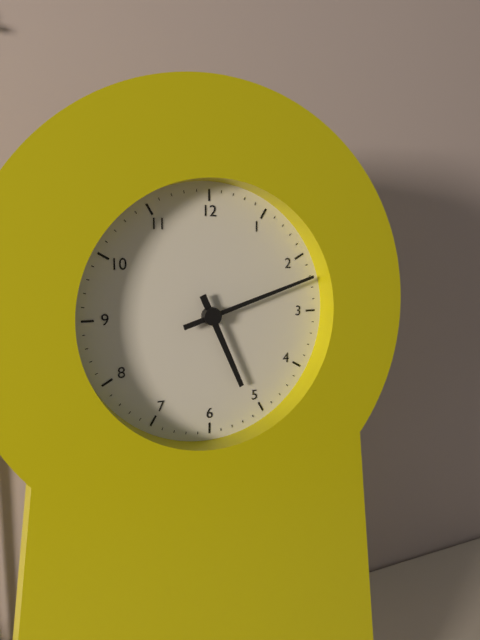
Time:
h=5 m=12
